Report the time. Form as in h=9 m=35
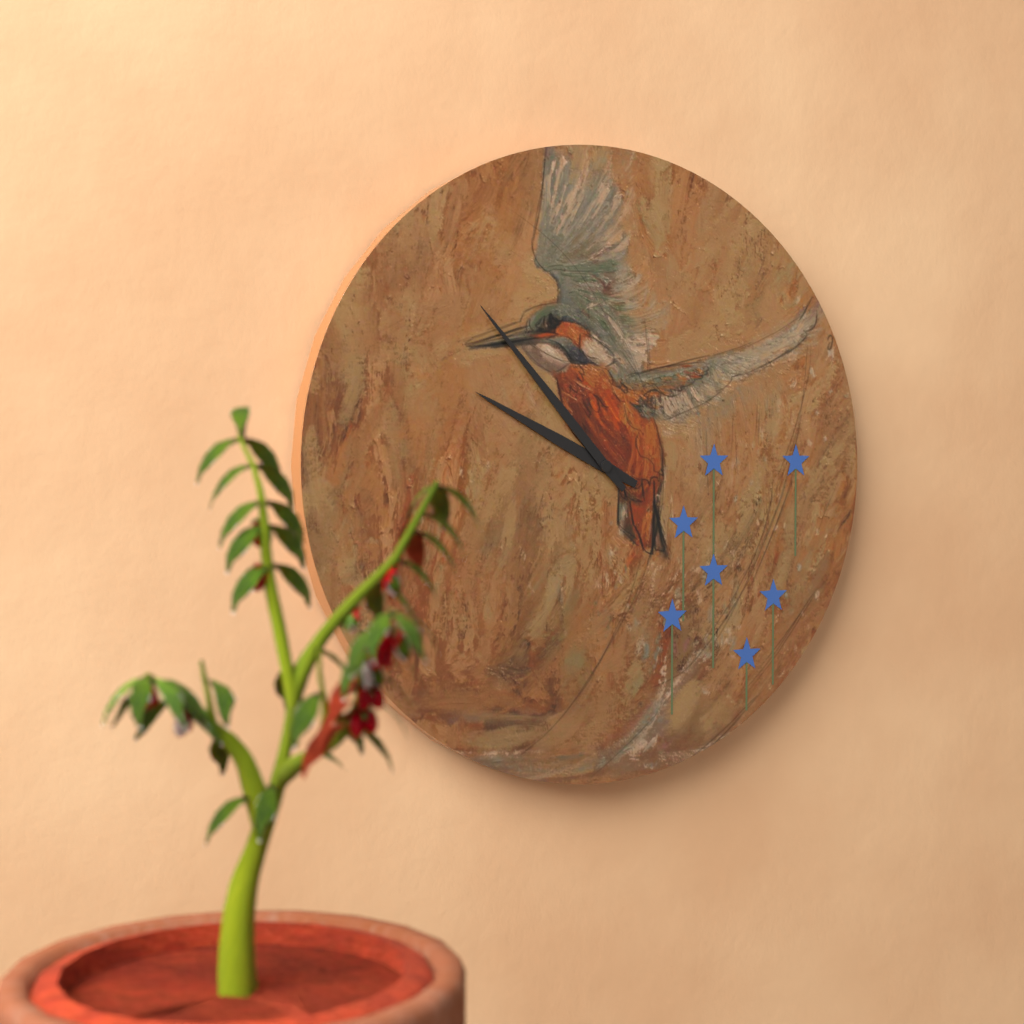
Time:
h=9 m=53
